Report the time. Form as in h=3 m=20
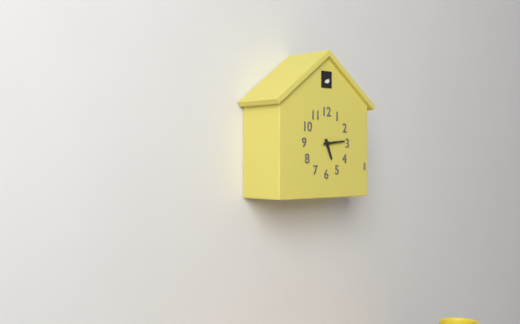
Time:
h=5 m=14
